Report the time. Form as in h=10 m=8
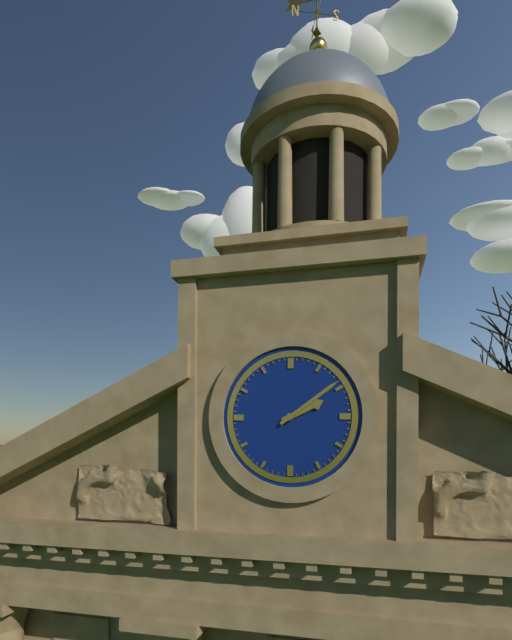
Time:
h=2 m=9
